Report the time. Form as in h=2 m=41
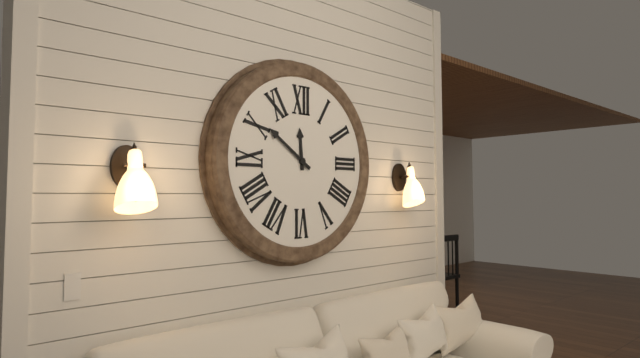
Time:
h=11 m=51
